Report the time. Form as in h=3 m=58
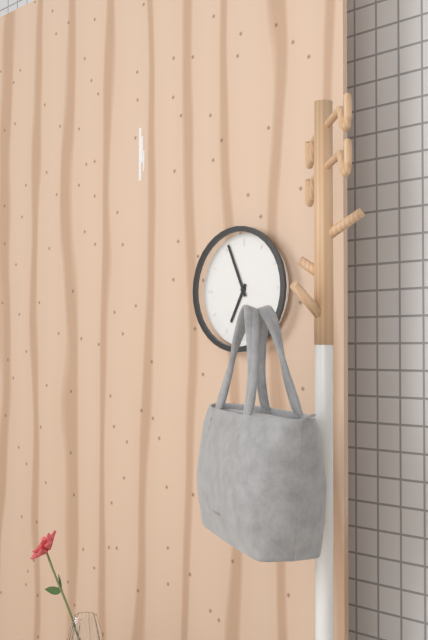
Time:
h=6 m=56
